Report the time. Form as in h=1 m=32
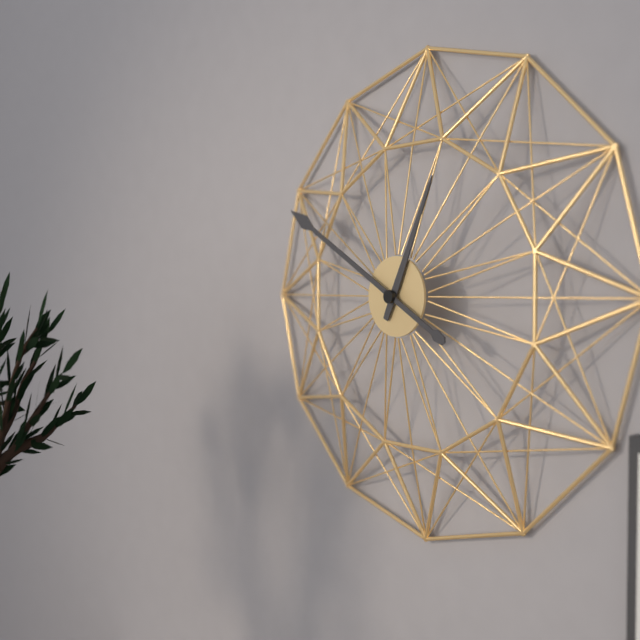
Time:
h=12 m=50
